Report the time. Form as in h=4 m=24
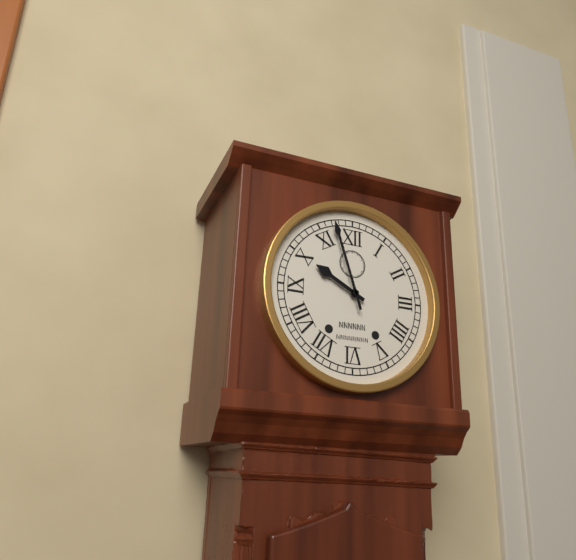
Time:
h=9 m=57
